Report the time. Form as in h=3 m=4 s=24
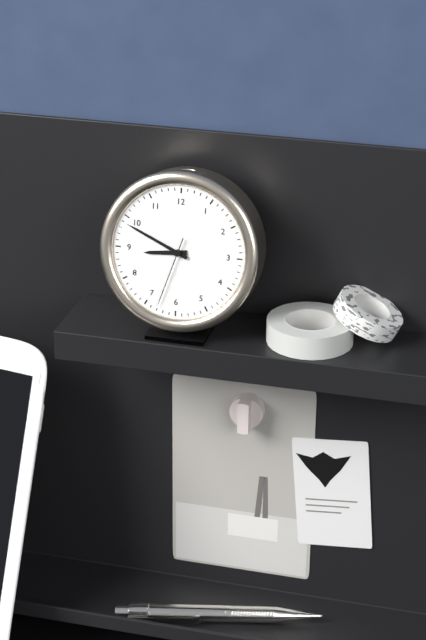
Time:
h=8 m=49 s=33
